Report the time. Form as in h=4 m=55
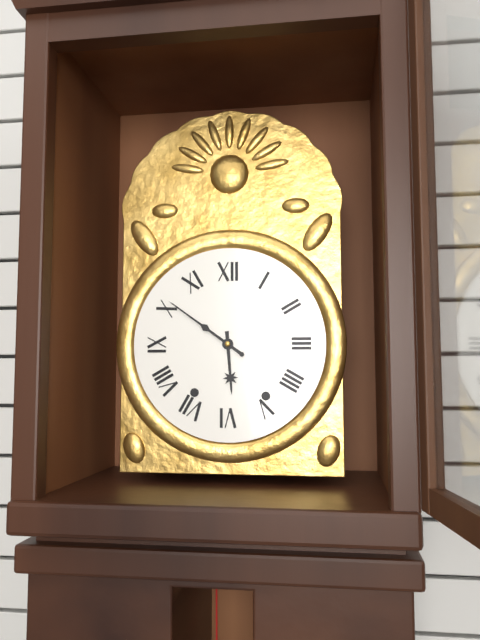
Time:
h=5 m=51
